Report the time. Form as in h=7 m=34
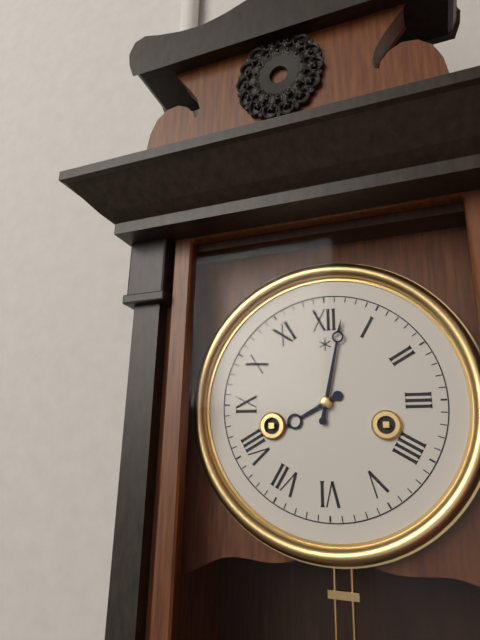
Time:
h=8 m=2
